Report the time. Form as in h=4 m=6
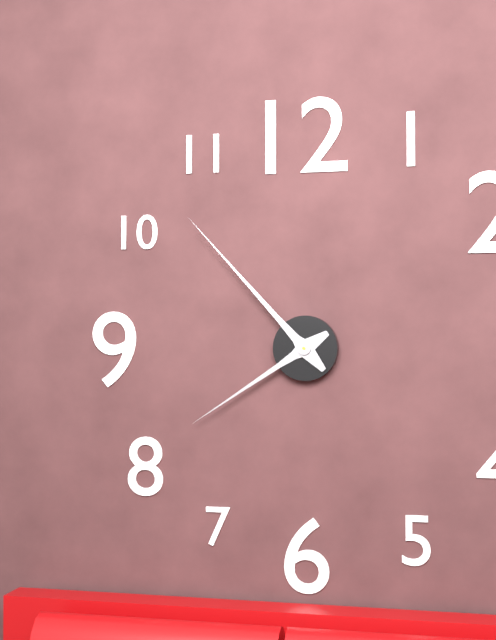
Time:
h=7 m=53
